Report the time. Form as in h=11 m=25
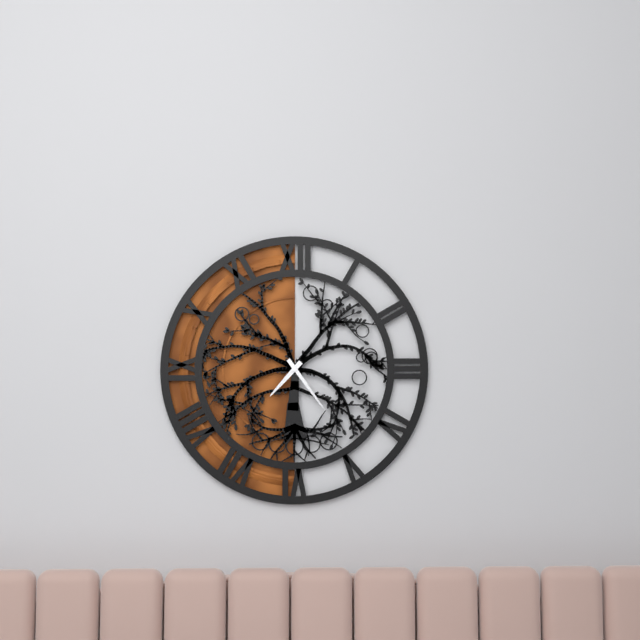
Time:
h=7 m=24
